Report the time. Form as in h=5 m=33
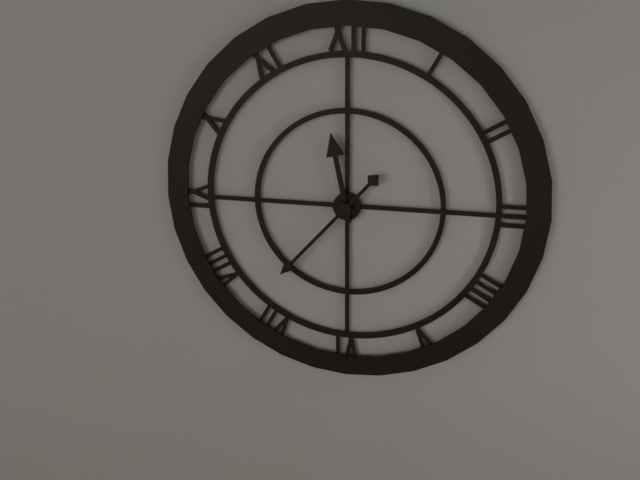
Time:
h=11 m=37
